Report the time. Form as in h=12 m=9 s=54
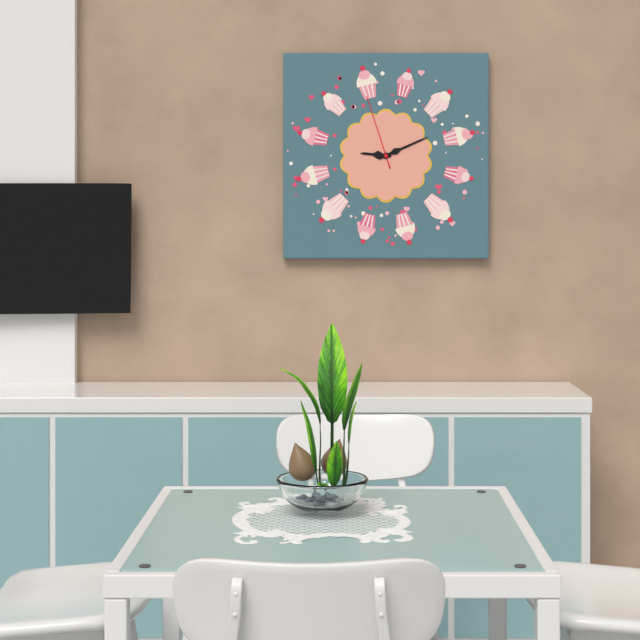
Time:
h=9 m=11 s=57
